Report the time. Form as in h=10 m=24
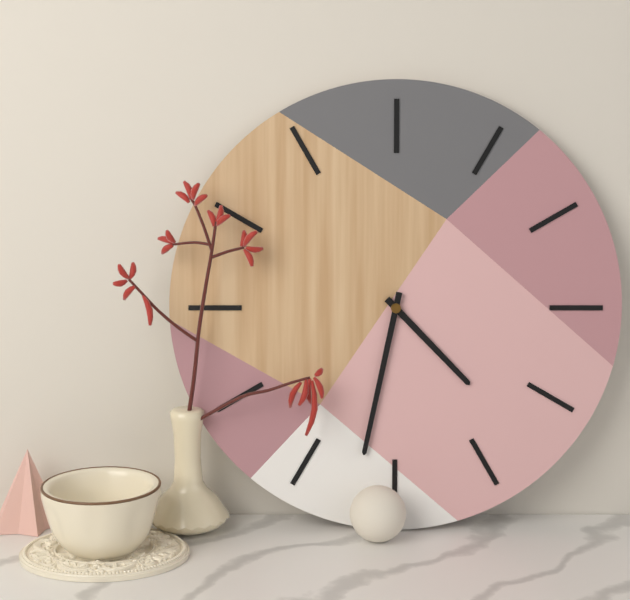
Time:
h=4 m=32
